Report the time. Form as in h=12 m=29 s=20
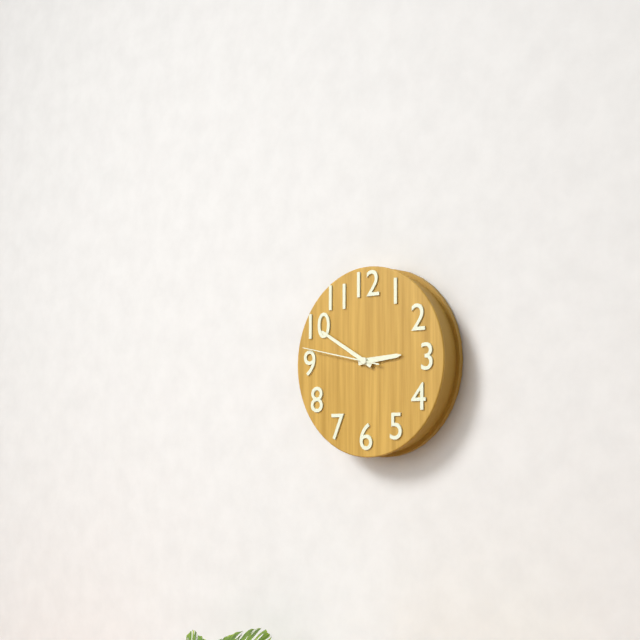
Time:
h=2 m=50 s=47
